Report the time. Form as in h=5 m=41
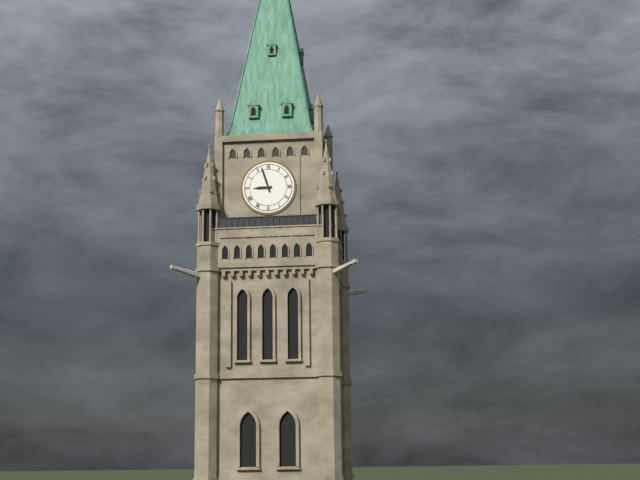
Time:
h=8 m=57
